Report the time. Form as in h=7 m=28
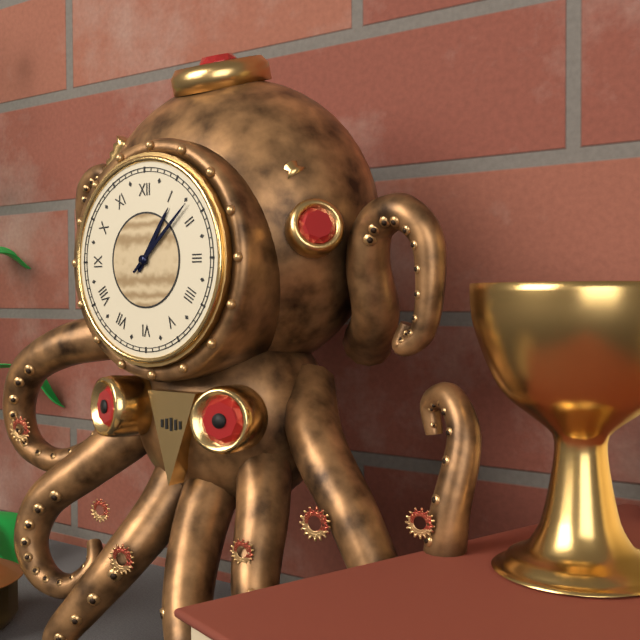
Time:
h=1 m=8
